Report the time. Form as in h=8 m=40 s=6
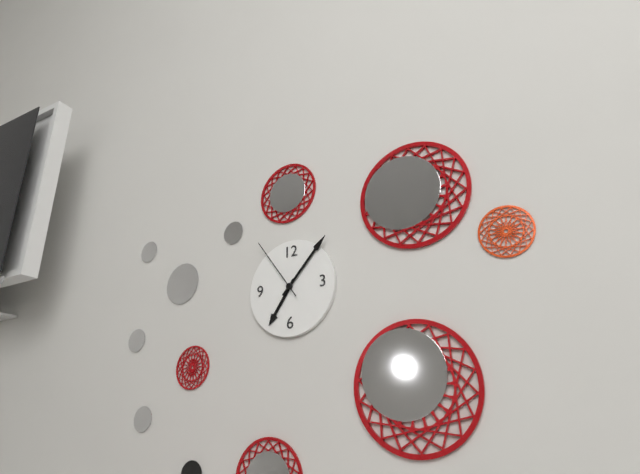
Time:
h=7 m=7 s=54
